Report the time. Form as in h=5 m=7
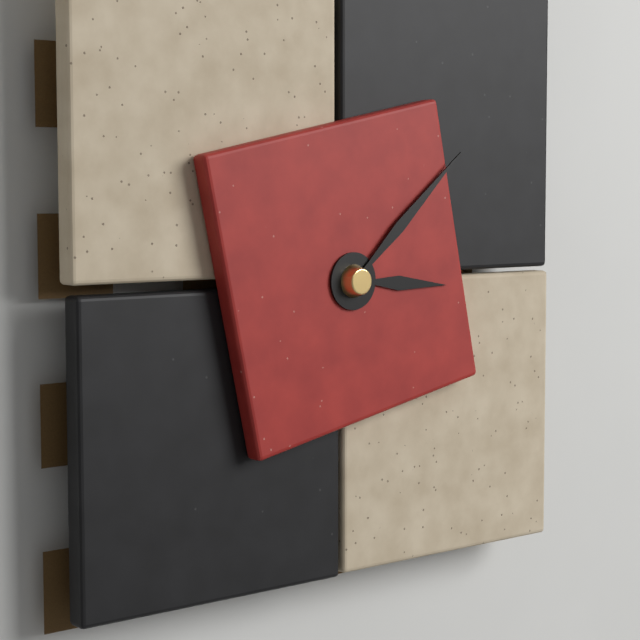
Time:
h=3 m=8
